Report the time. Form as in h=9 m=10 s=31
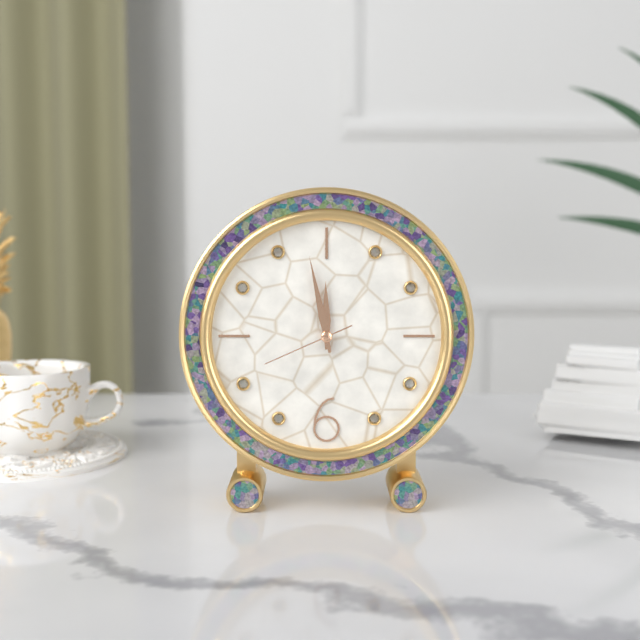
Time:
h=11 m=58 s=41
